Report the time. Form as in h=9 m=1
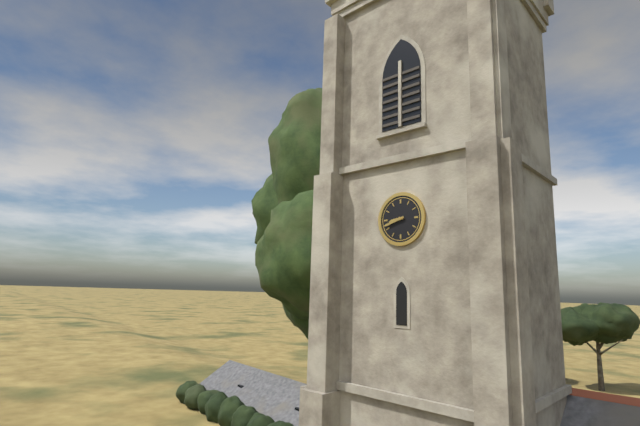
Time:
h=8 m=42
